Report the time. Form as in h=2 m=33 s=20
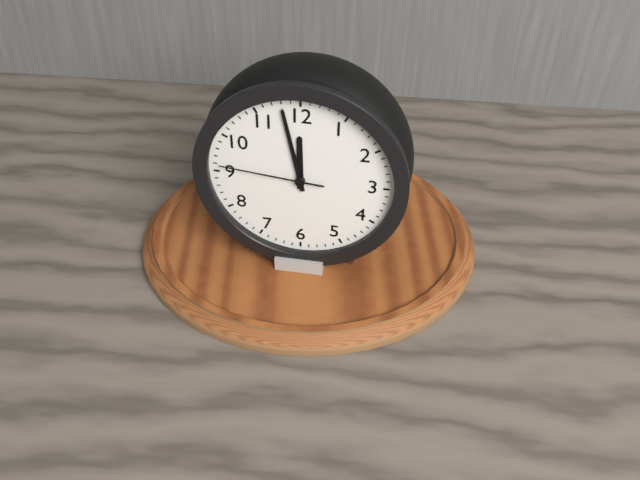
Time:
h=11 m=58 s=46
